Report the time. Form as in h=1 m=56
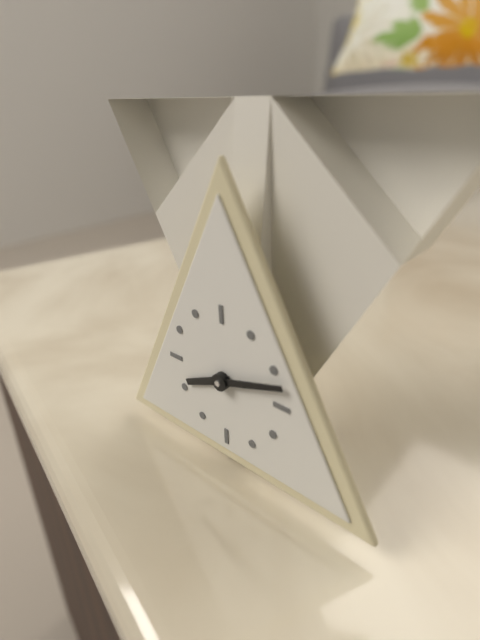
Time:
h=8 m=12
